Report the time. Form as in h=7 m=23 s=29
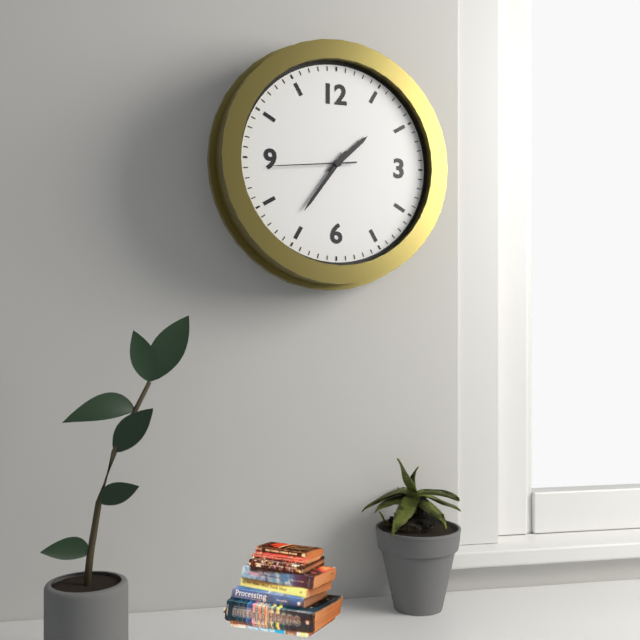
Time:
h=1 m=36 s=44
